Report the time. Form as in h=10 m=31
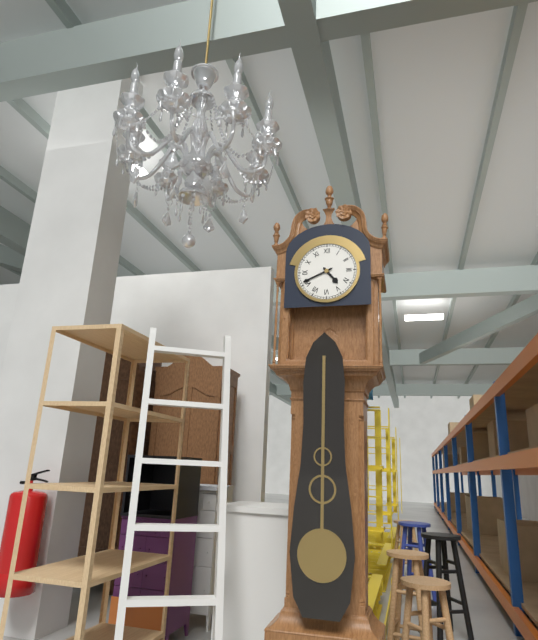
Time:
h=4 m=41
